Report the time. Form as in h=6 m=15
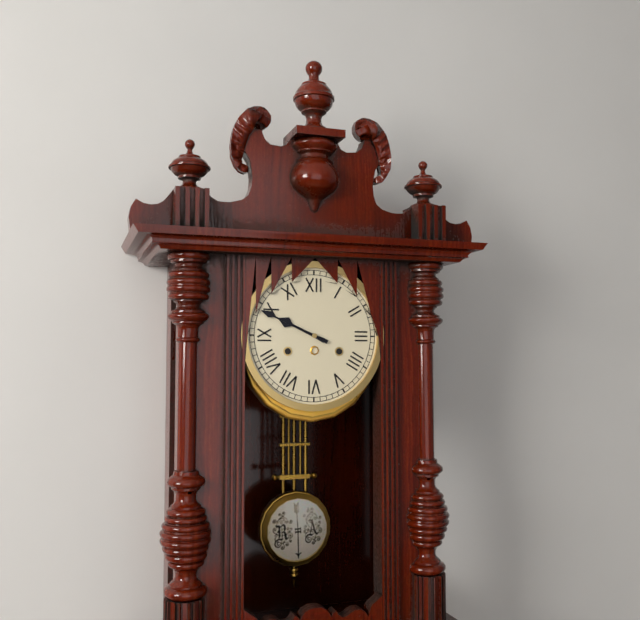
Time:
h=9 m=49
